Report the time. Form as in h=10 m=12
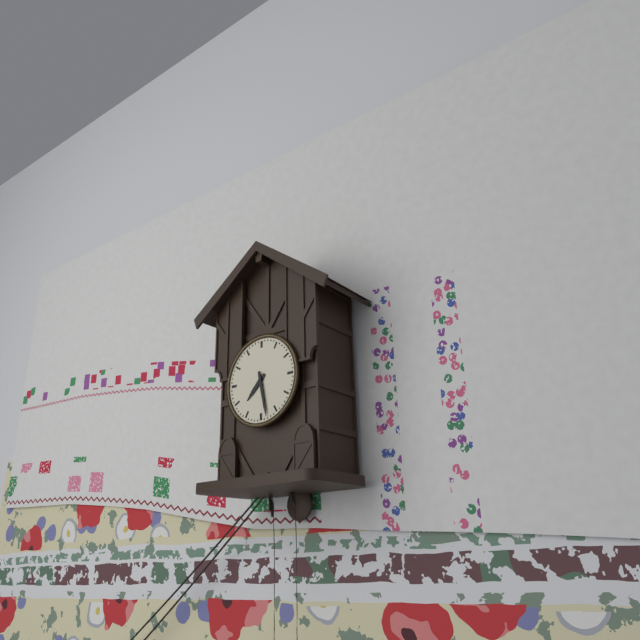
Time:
h=7 m=28
